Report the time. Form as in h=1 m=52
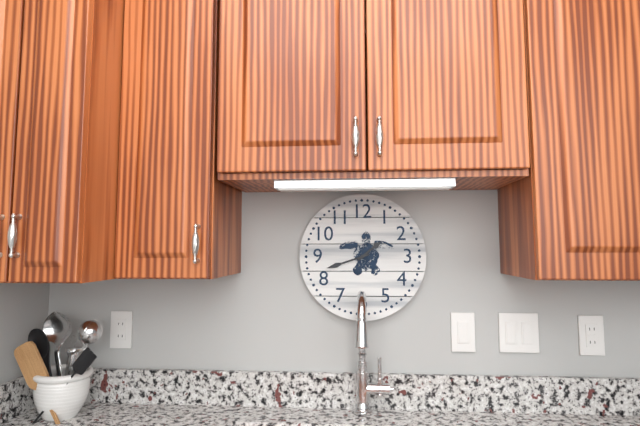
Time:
h=1 m=42
